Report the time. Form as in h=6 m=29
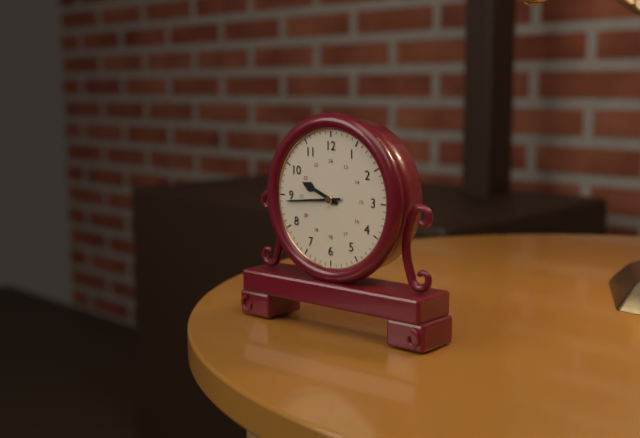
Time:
h=9 m=44
